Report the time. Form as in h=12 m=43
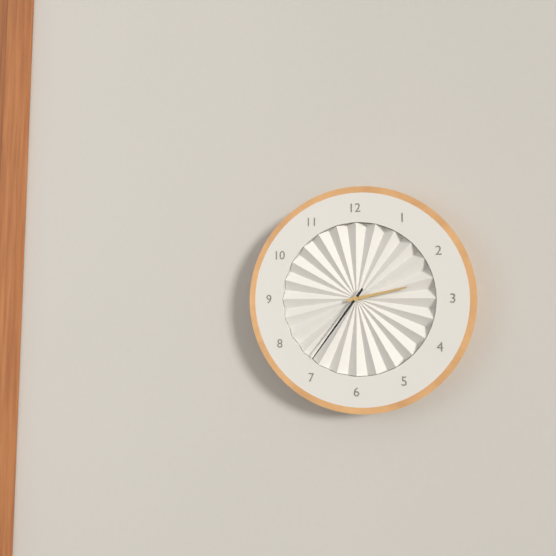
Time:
h=2 m=36
